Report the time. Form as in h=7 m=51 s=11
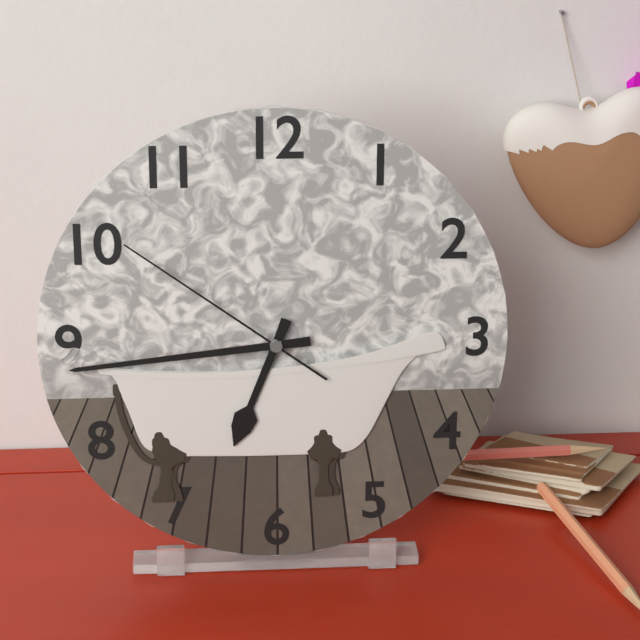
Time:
h=6 m=44 s=51
